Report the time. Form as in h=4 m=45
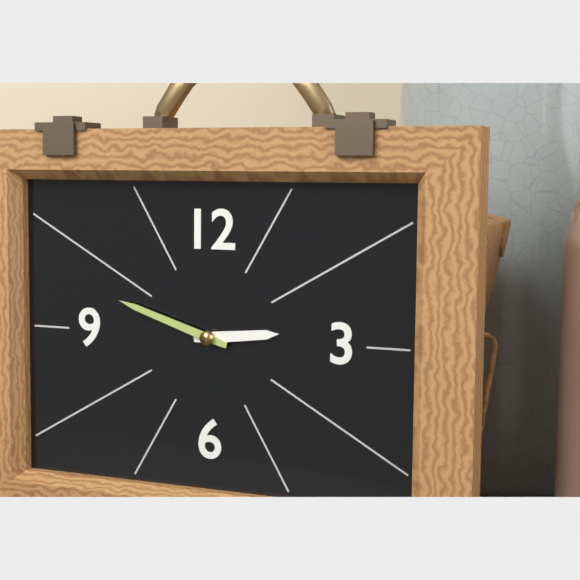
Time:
h=2 m=48
